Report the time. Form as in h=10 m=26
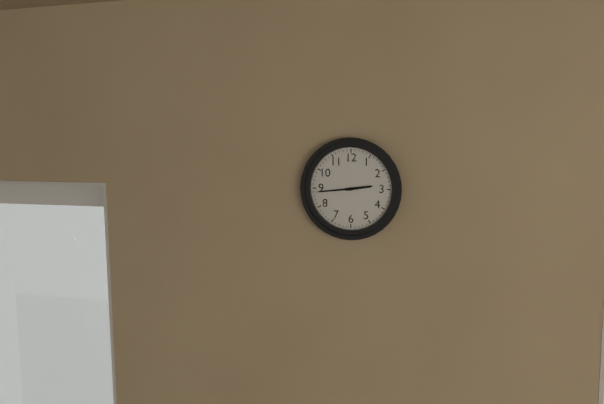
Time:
h=2 m=44
